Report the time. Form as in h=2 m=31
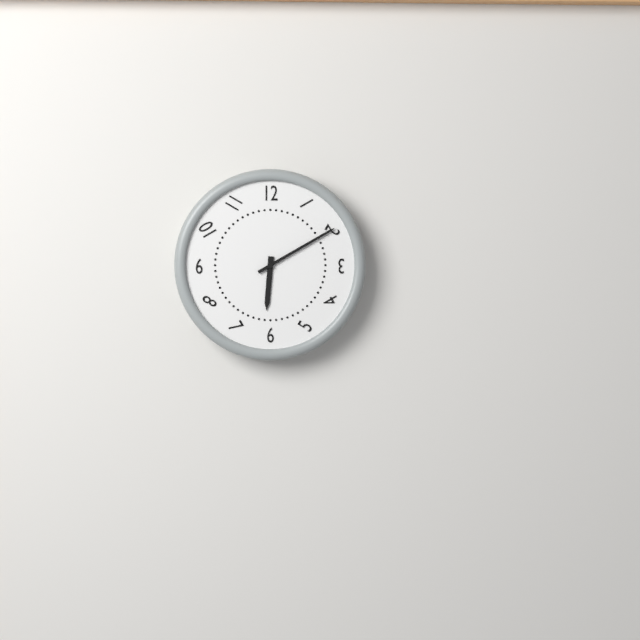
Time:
h=6 m=10
